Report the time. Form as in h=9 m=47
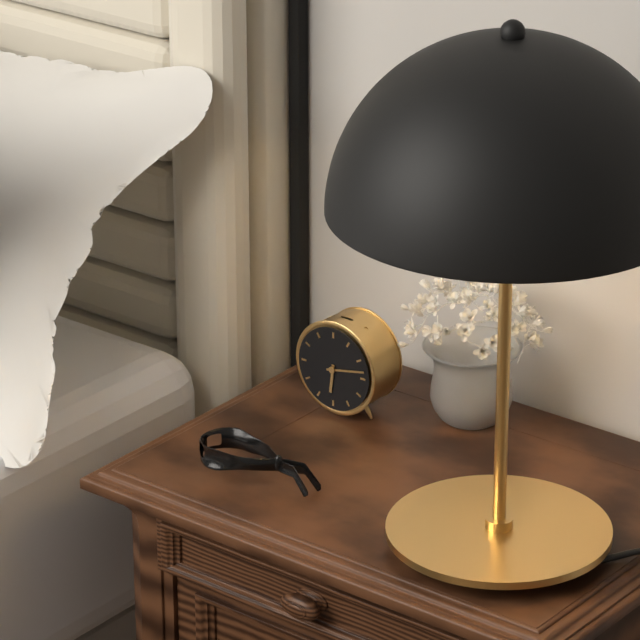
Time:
h=6 m=13
